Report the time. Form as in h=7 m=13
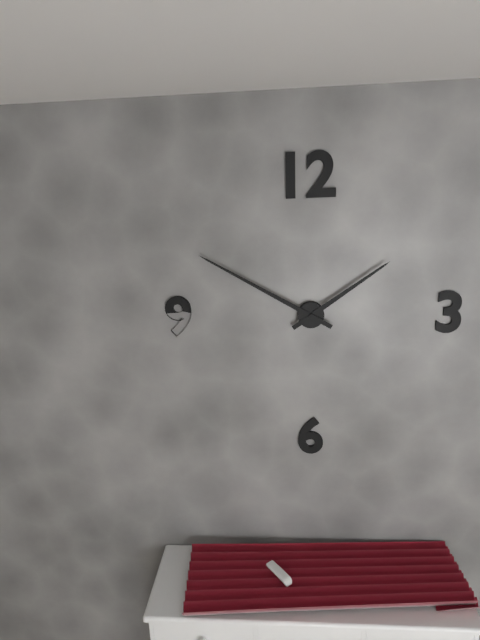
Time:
h=1 m=50
